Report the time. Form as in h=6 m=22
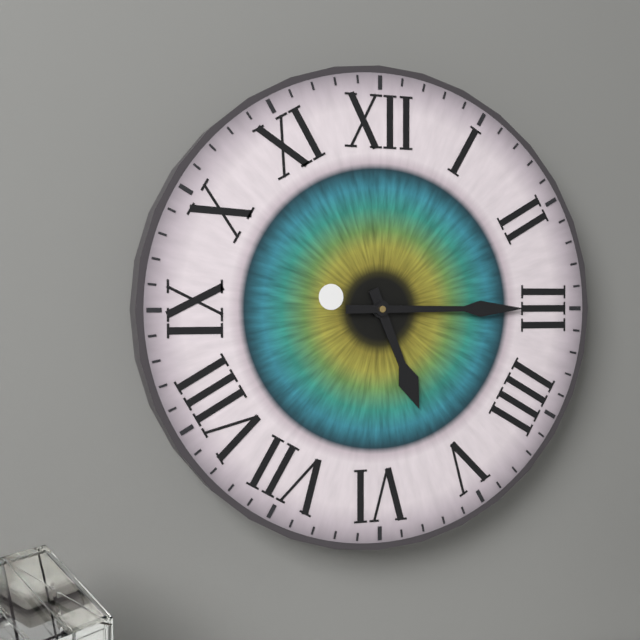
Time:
h=5 m=15
